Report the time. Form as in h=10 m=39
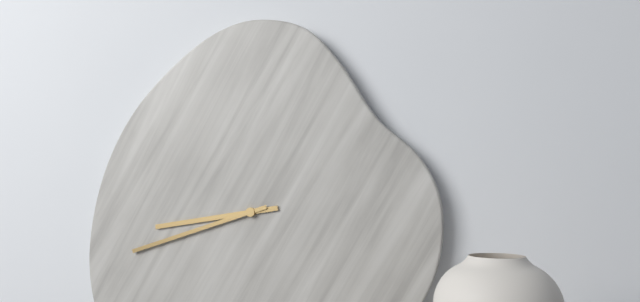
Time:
h=8 m=42
